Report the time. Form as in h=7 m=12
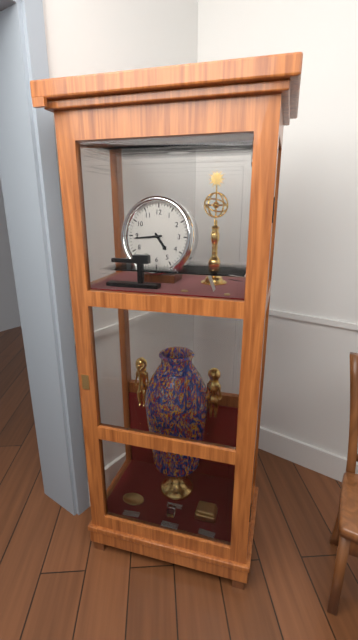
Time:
h=4 m=44
